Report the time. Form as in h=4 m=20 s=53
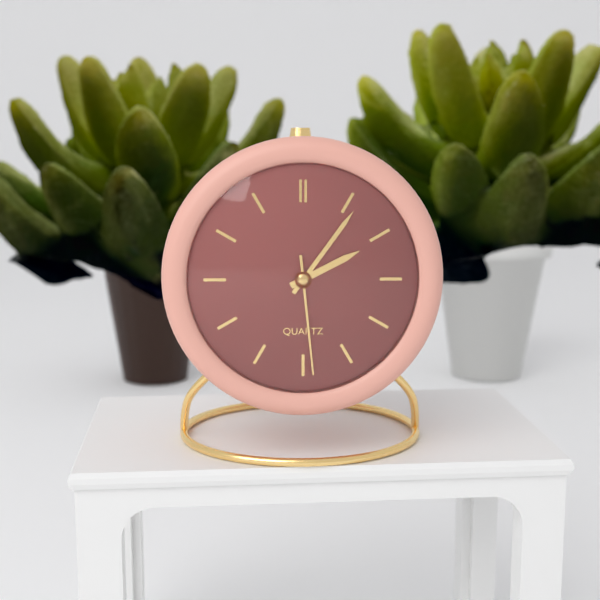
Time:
h=2 m=6 s=29
